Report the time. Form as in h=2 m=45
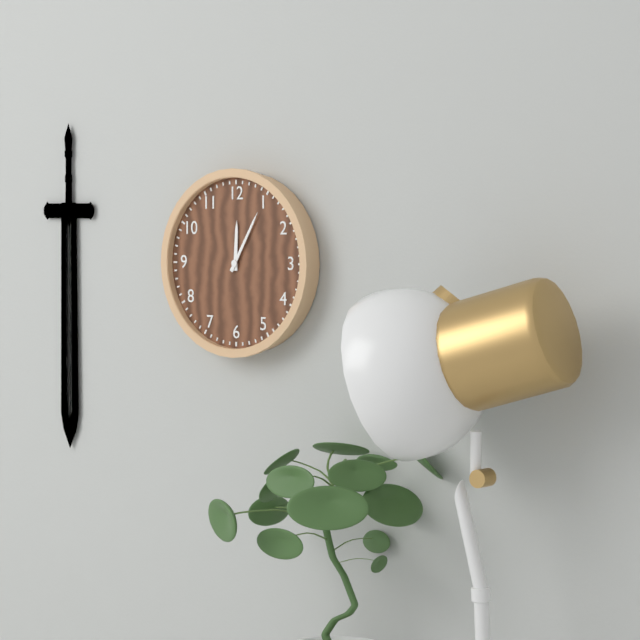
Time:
h=12 m=5
